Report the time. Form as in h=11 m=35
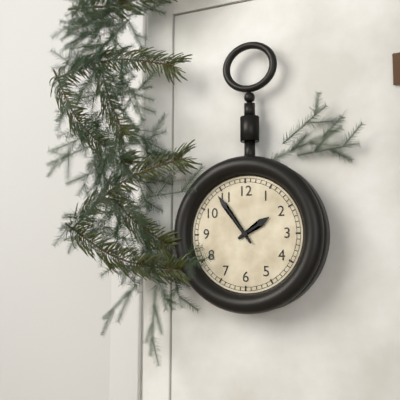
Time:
h=1 m=54
